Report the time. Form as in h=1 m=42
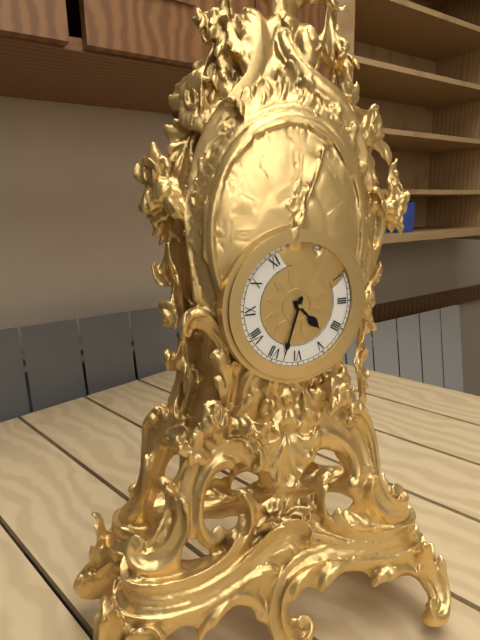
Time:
h=4 m=33
